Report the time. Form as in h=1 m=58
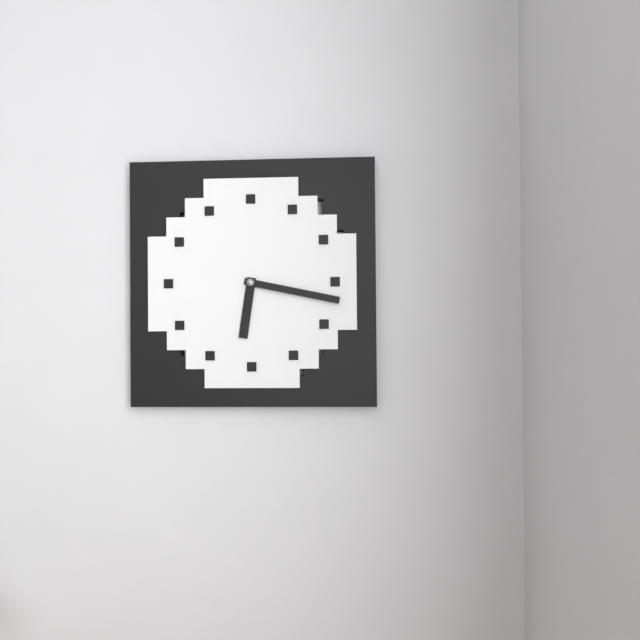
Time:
h=6 m=17
